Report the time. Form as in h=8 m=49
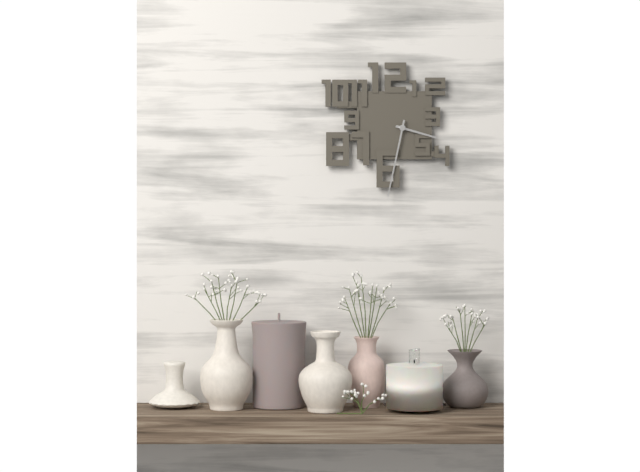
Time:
h=3 m=32
